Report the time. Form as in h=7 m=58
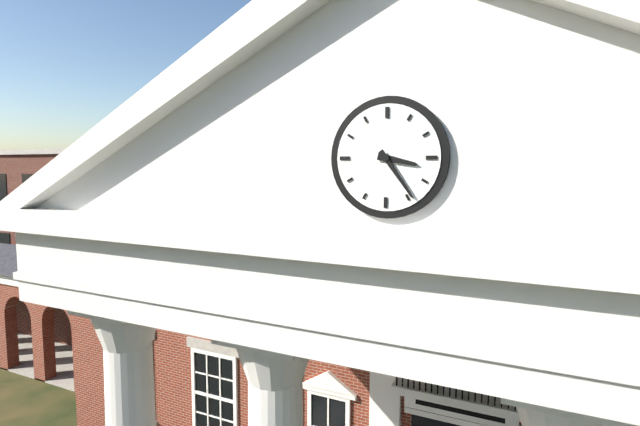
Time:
h=3 m=24
